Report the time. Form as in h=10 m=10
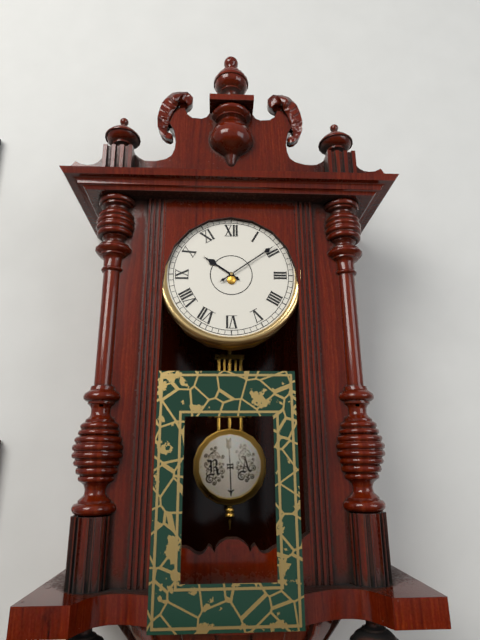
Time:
h=10 m=9
